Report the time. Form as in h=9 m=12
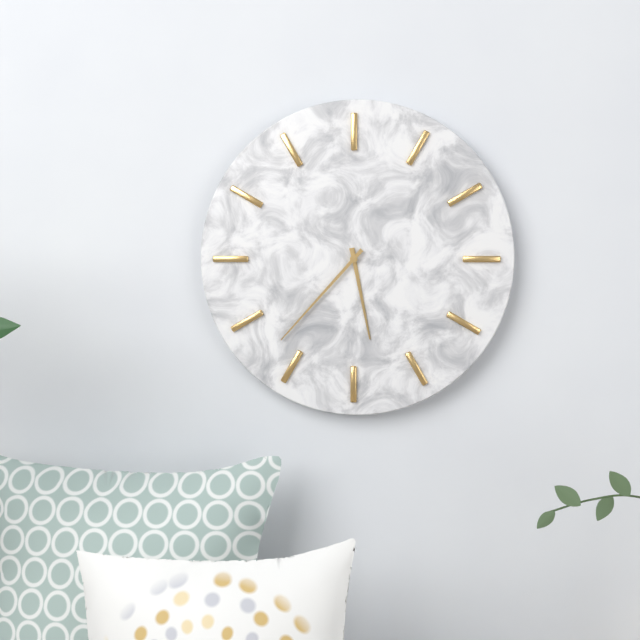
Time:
h=5 m=37
